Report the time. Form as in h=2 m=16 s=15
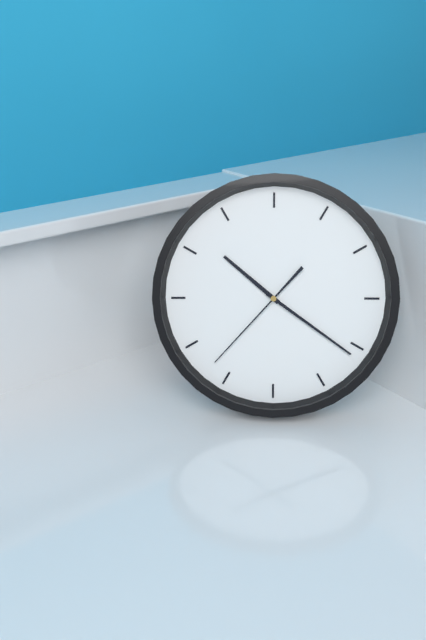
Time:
h=10 m=21 s=37
